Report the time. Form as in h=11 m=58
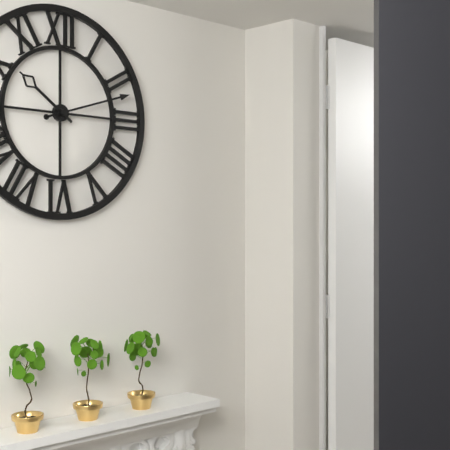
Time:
h=10 m=12
